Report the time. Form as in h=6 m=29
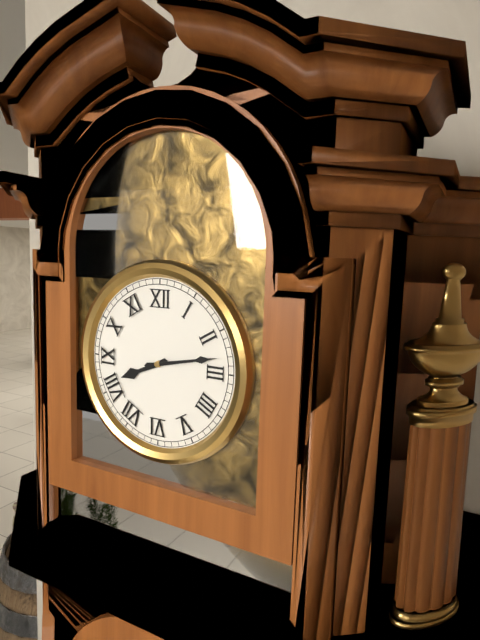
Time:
h=8 m=13
